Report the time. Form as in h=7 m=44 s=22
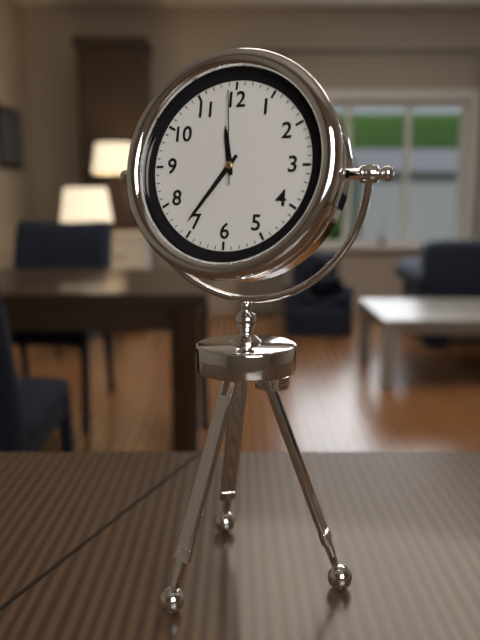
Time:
h=11 m=36 s=59
